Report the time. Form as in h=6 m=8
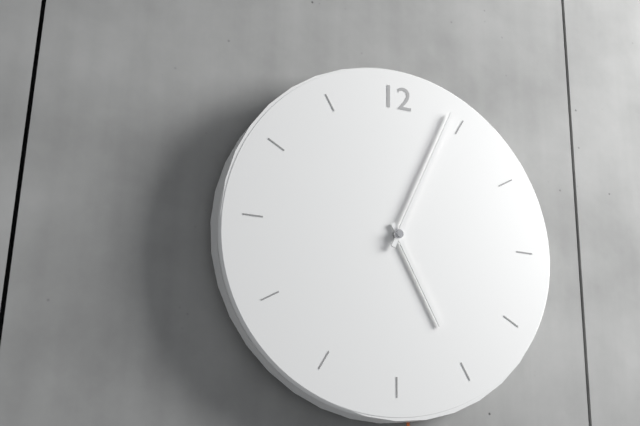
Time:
h=5 m=4
